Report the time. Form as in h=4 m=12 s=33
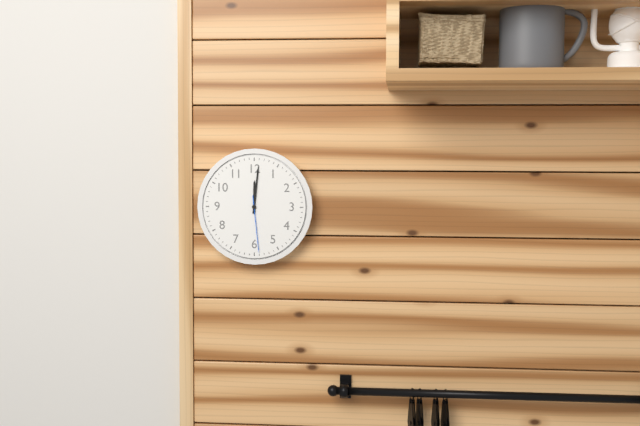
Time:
h=12 m=1 s=29
